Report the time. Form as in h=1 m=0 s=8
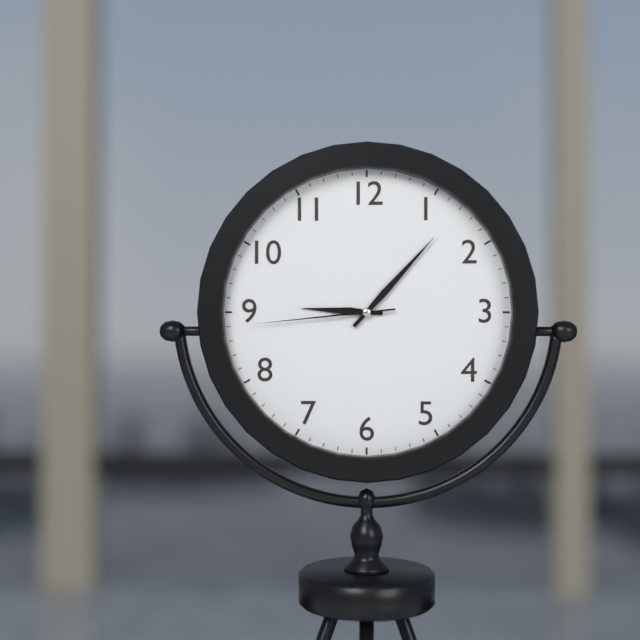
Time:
h=9 m=7 s=44
